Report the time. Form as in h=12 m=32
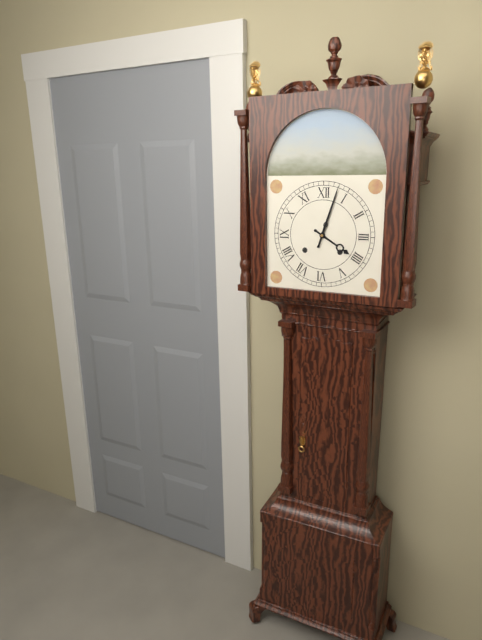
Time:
h=4 m=3
